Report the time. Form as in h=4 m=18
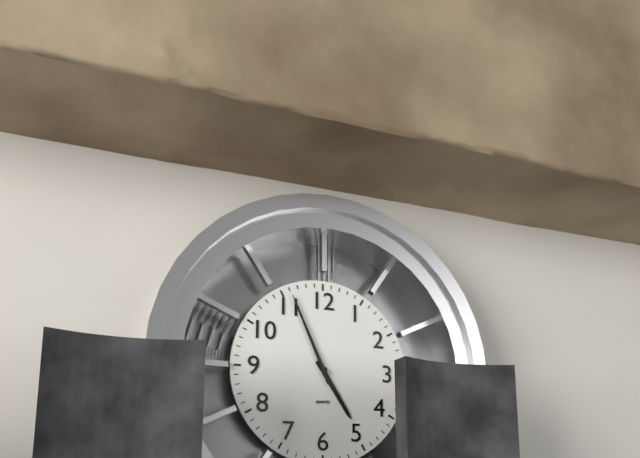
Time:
h=4 m=56
